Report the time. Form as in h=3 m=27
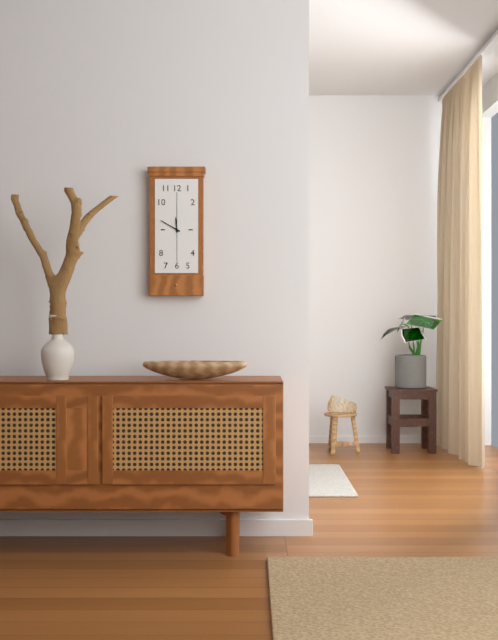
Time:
h=11 m=50
